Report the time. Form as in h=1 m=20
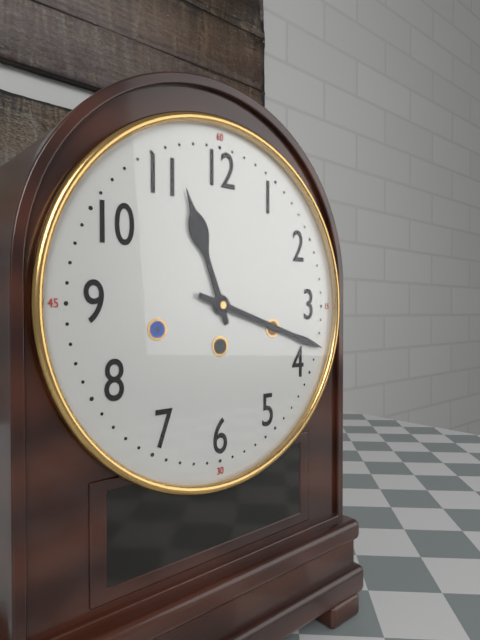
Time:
h=11 m=18
